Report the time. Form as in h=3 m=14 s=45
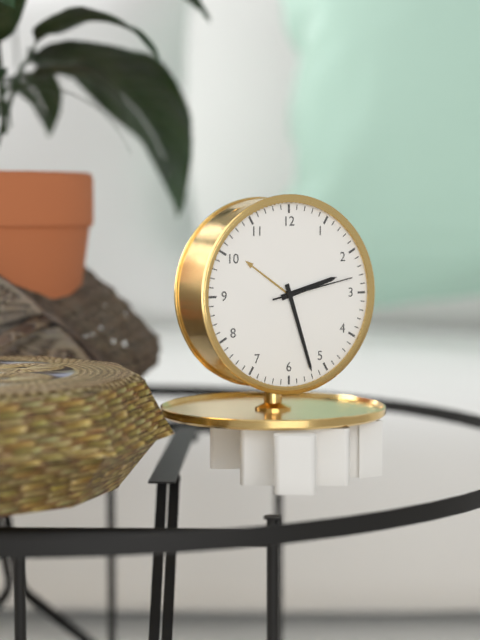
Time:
h=2 m=27 s=13
